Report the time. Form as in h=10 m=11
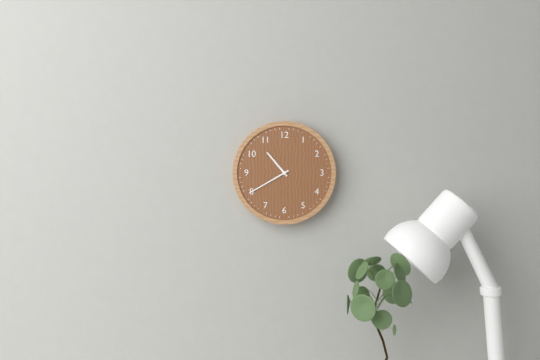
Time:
h=10 m=40
